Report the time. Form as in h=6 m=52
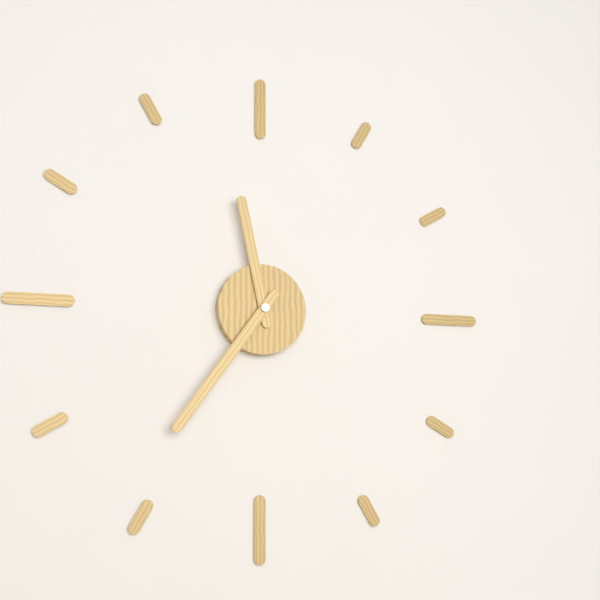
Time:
h=11 m=36
